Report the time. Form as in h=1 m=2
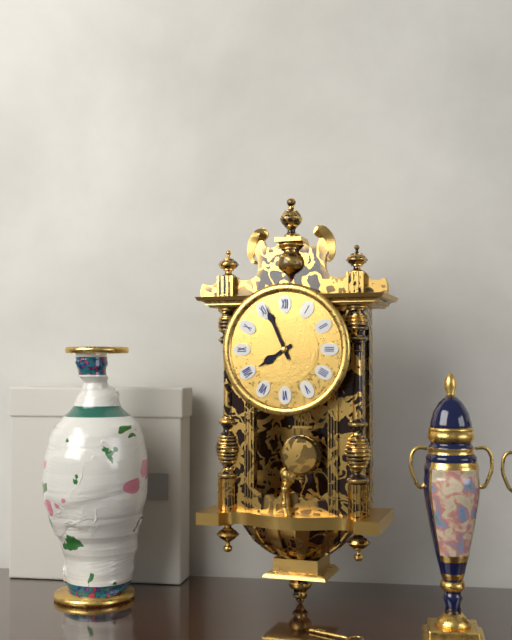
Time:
h=7 m=56
